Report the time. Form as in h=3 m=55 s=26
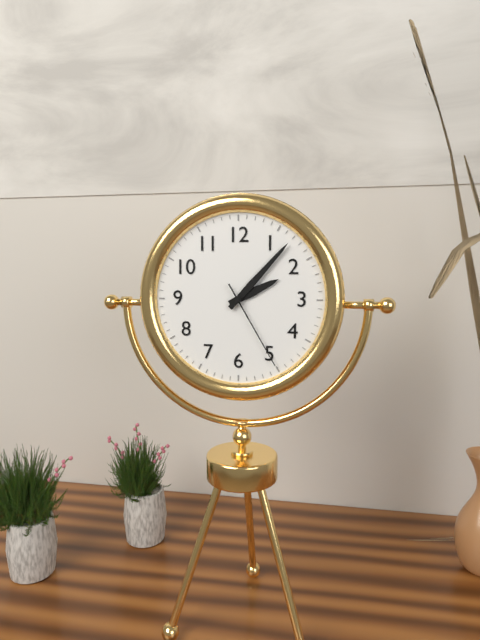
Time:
h=2 m=7 s=25
